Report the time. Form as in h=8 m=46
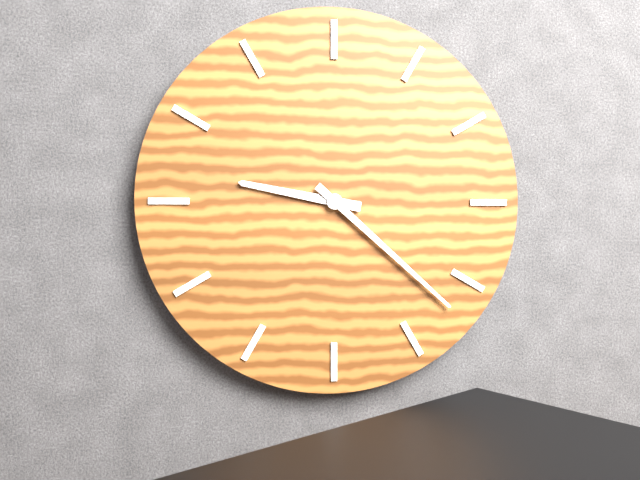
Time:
h=9 m=22
